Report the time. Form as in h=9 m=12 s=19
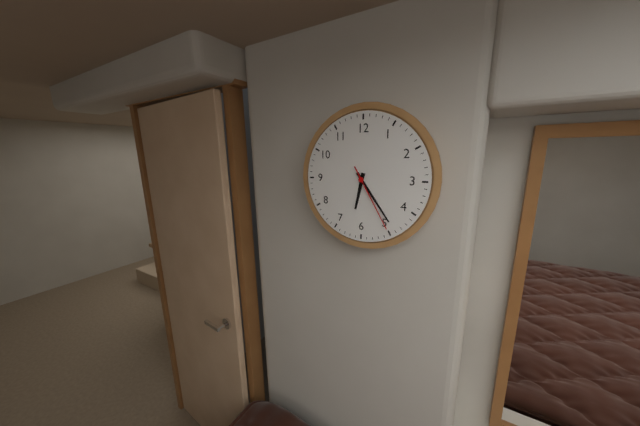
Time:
h=6 m=24 s=25
